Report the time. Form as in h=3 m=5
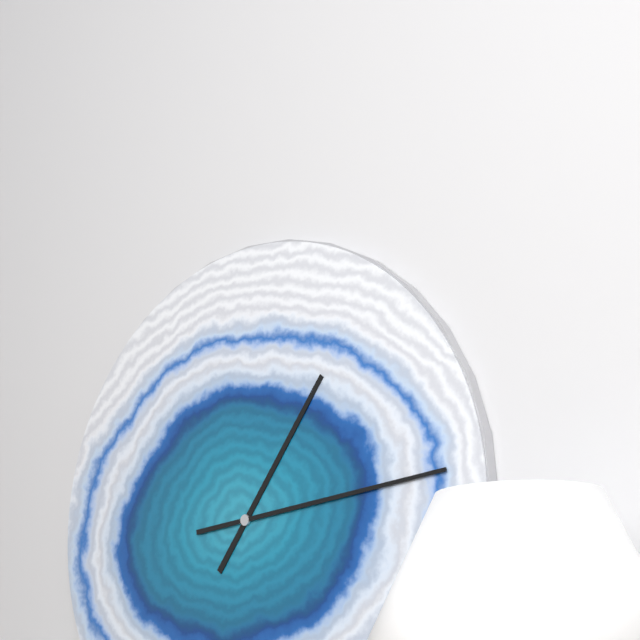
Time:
h=1 m=14
